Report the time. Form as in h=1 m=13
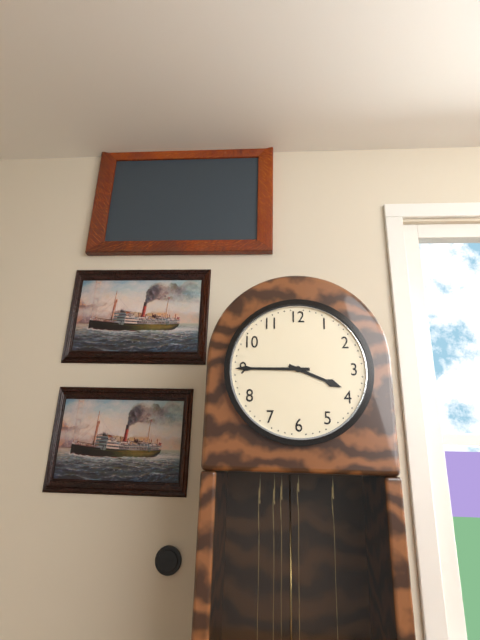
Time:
h=3 m=45
